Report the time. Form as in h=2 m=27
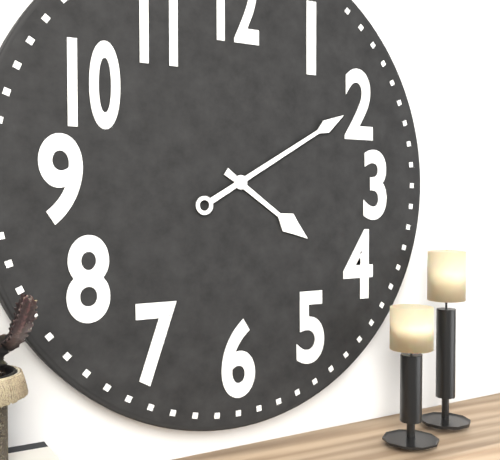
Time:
h=4 m=10
